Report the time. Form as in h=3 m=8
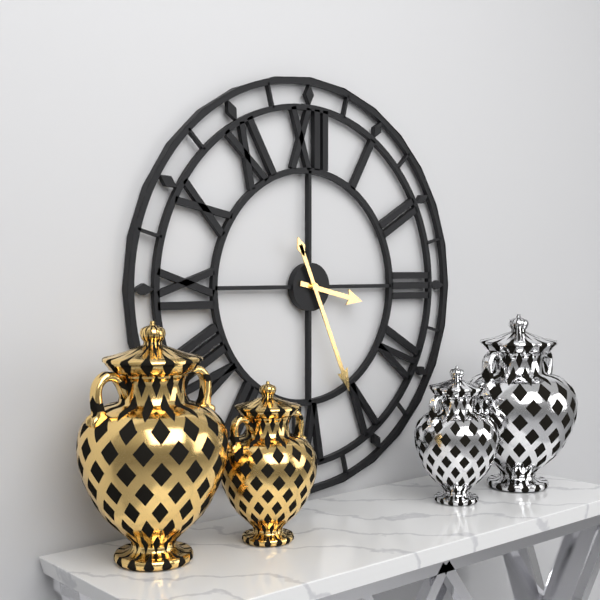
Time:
h=3 m=26
